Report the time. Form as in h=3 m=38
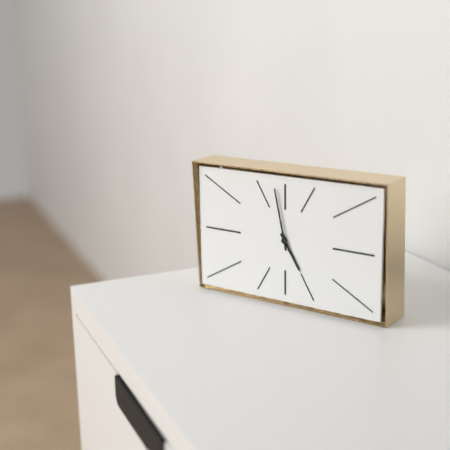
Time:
h=4 m=58
